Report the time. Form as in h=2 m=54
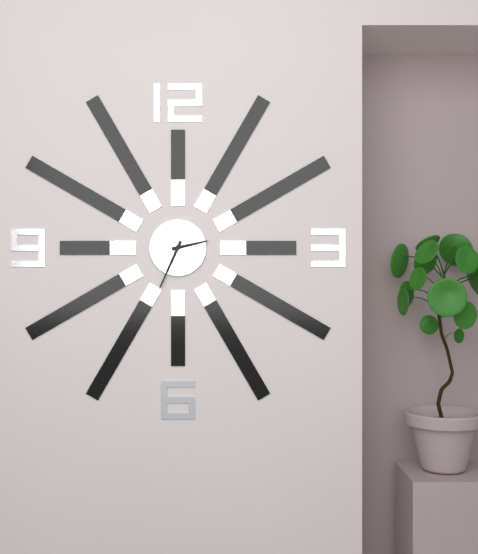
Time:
h=2 m=34
